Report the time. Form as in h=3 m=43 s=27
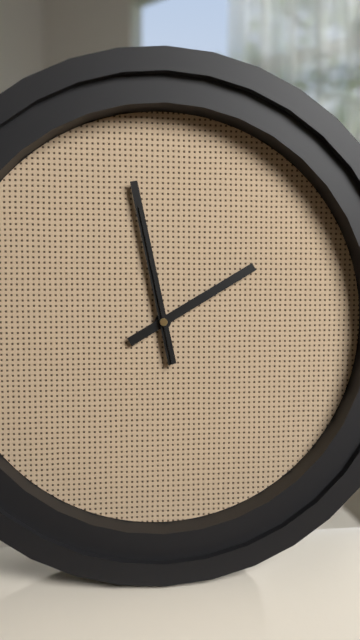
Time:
h=1 m=58 s=58
